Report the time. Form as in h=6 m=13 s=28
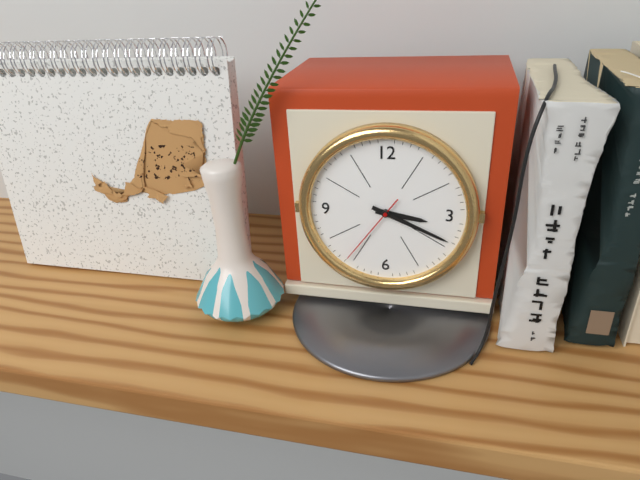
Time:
h=3 m=19 s=36
